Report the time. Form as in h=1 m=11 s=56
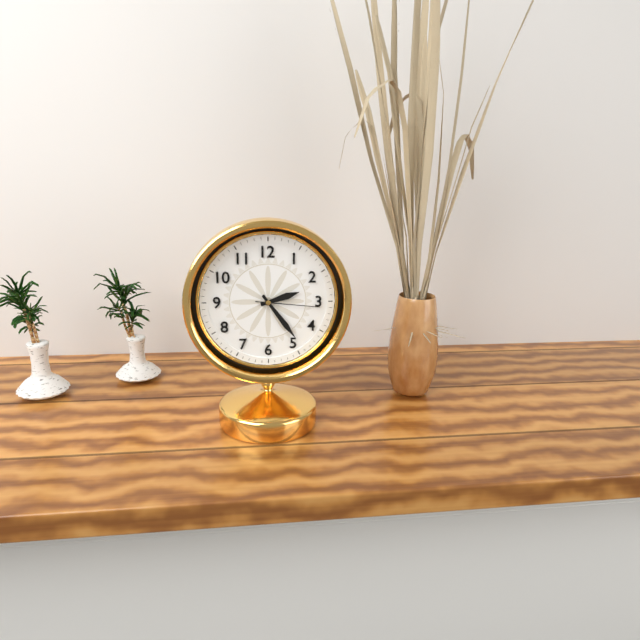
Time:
h=2 m=24 s=16
